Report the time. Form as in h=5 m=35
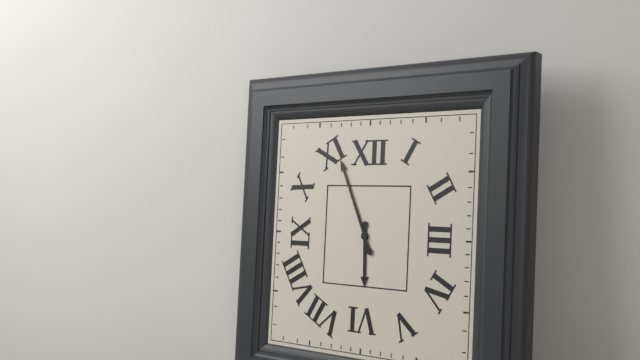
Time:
h=5 m=56
